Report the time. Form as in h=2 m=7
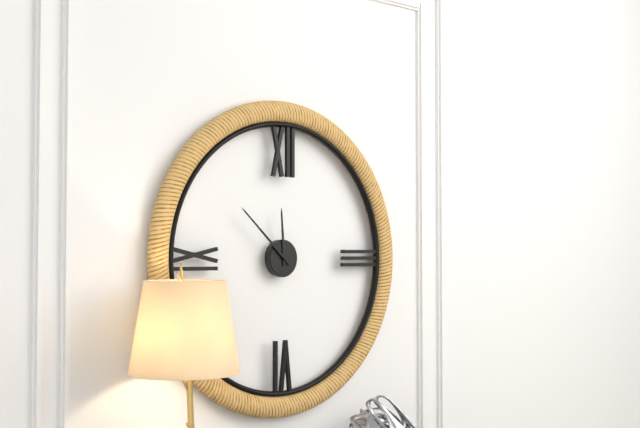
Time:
h=11 m=52
